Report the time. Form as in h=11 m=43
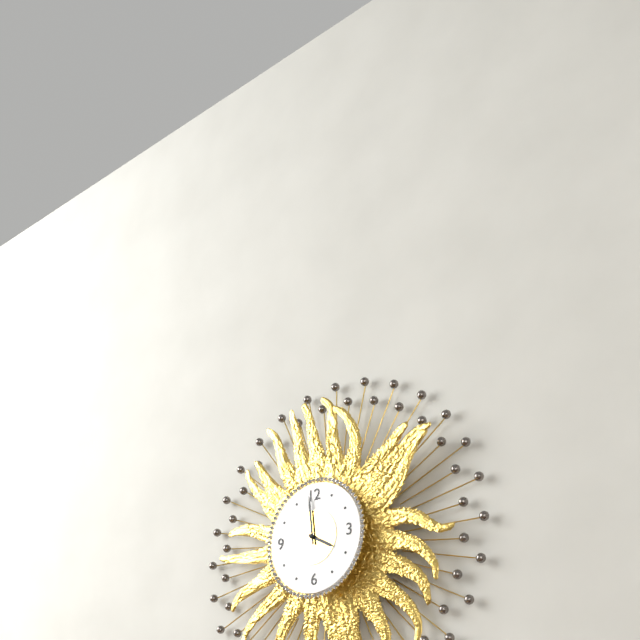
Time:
h=3 m=59
